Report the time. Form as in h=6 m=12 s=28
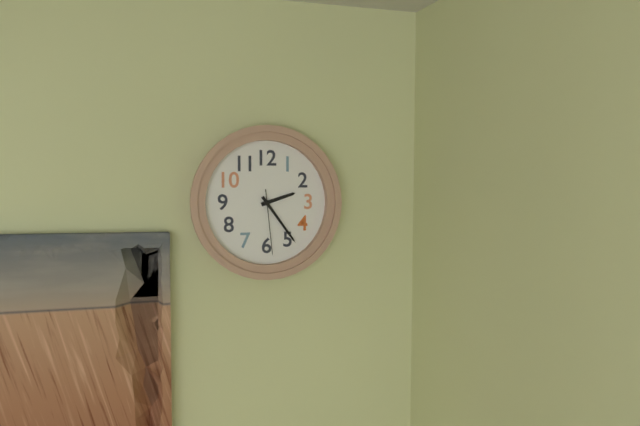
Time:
h=2 m=24 s=29
